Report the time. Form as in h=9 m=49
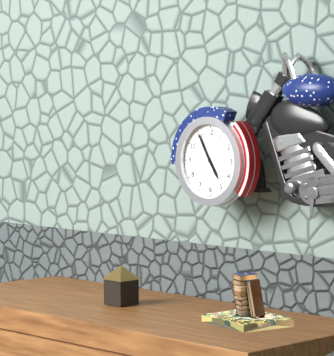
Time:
h=4 m=55
